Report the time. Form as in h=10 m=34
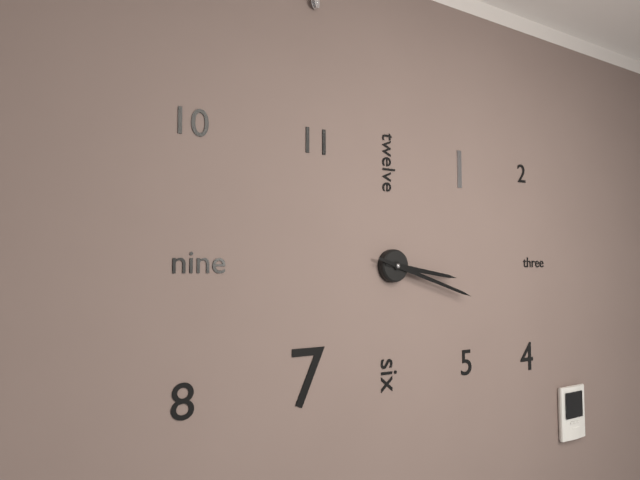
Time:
h=3 m=18
